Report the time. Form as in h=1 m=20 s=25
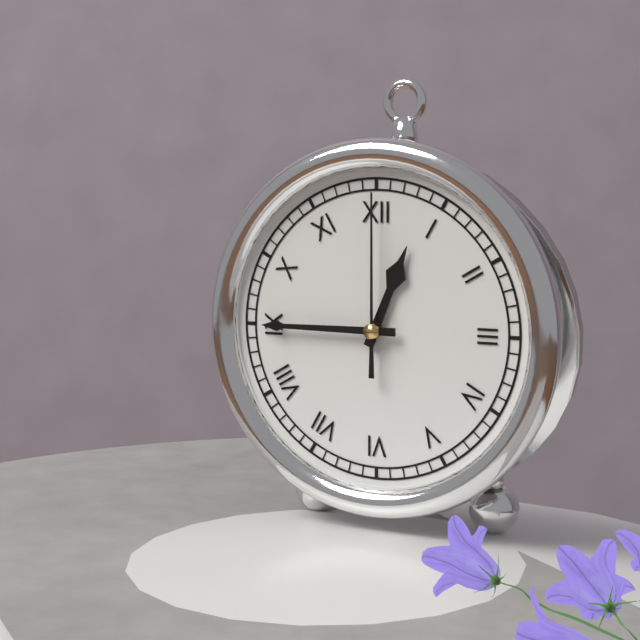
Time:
h=12 m=45 s=0
